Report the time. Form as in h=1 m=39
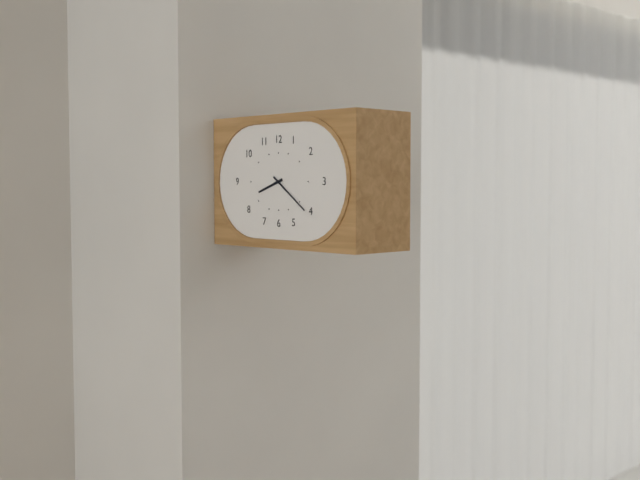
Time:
h=8 m=21
